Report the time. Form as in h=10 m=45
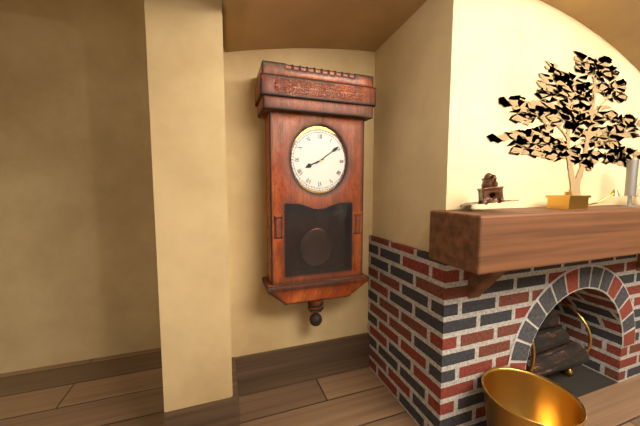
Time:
h=8 m=9
